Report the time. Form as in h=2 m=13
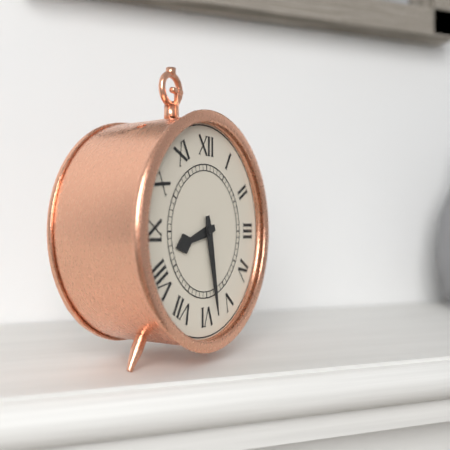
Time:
h=8 m=28
